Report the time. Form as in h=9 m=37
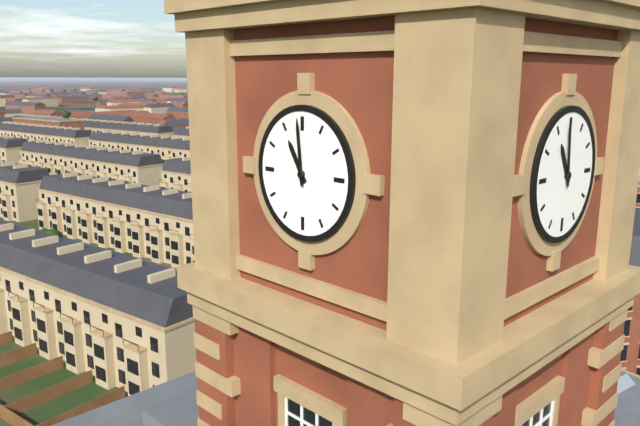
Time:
h=10 m=59
